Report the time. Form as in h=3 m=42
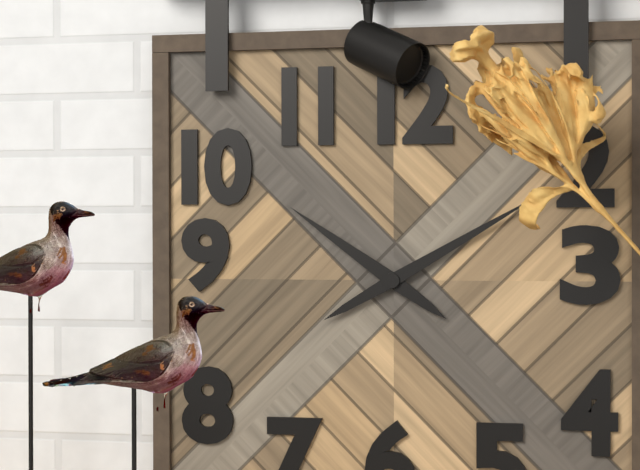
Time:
h=10 m=10
